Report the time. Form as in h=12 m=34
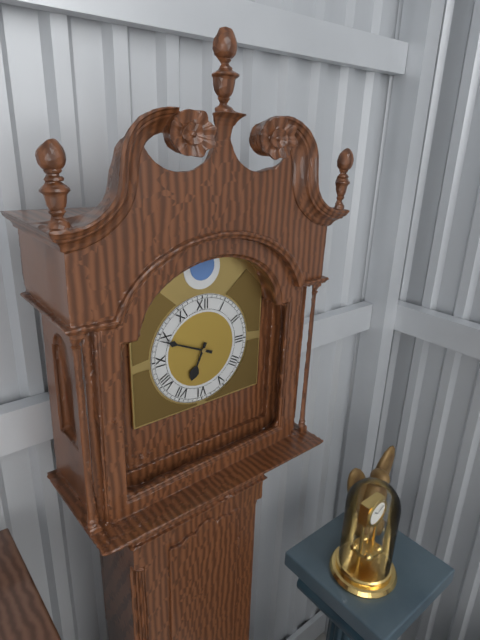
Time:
h=6 m=49
